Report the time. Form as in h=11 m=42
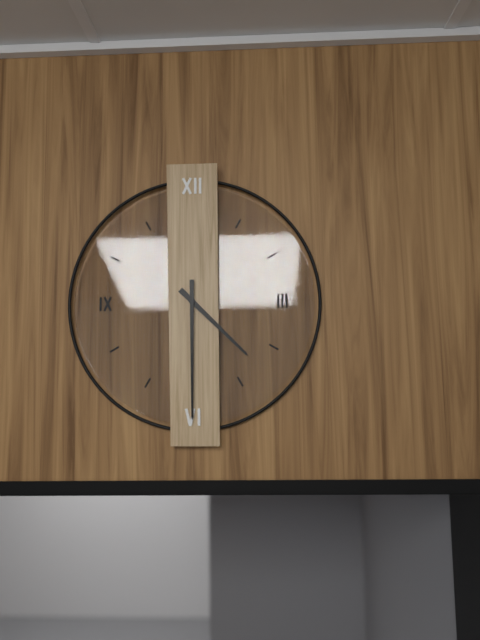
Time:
h=4 m=30
